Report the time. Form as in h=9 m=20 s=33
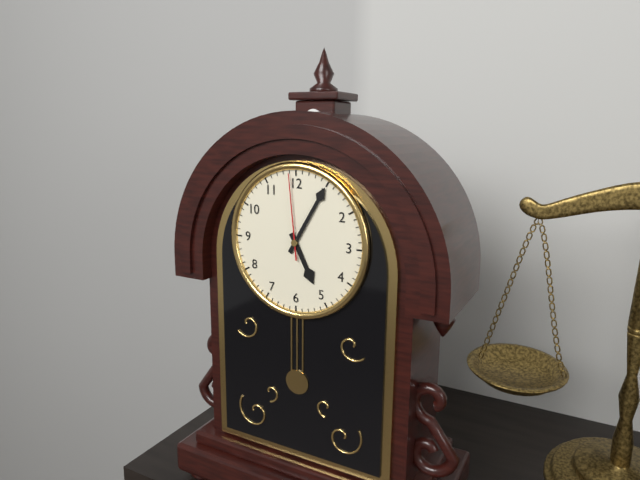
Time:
h=5 m=5 s=59
